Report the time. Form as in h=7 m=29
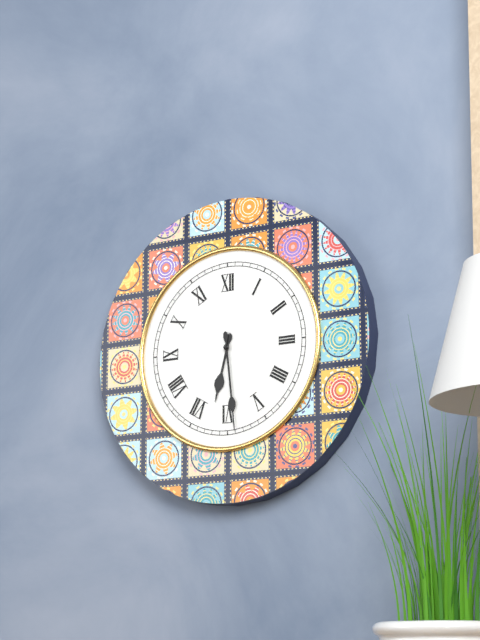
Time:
h=6 m=29
